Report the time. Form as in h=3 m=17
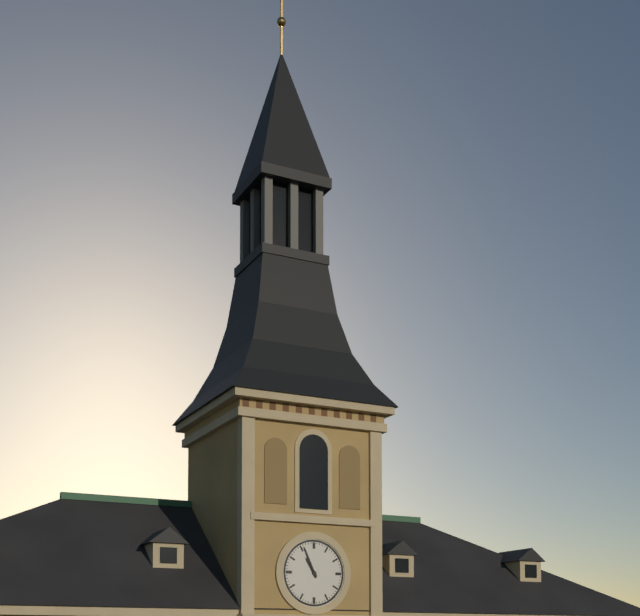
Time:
h=10 m=56
